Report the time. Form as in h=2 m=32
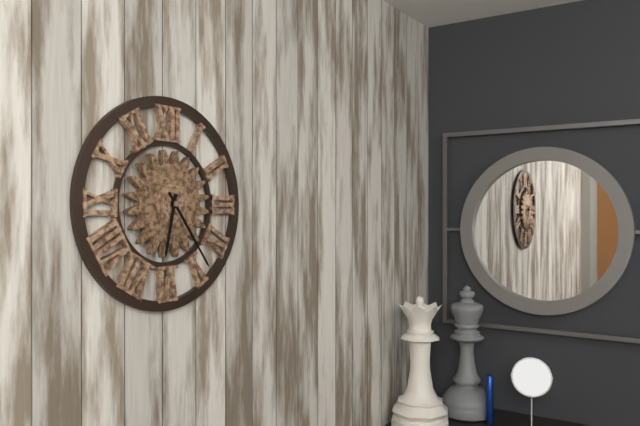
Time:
h=6 m=24
